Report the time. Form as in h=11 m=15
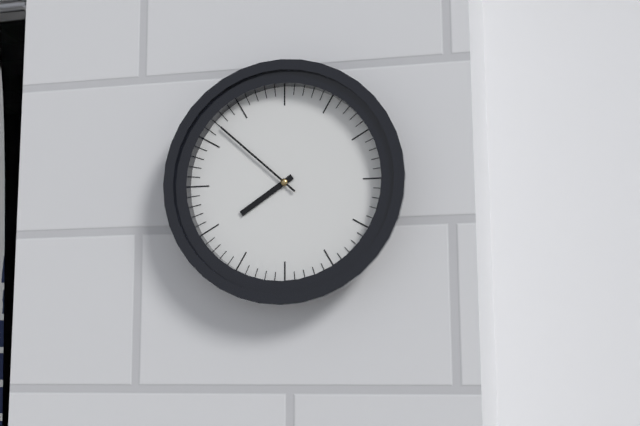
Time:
h=7 m=52
